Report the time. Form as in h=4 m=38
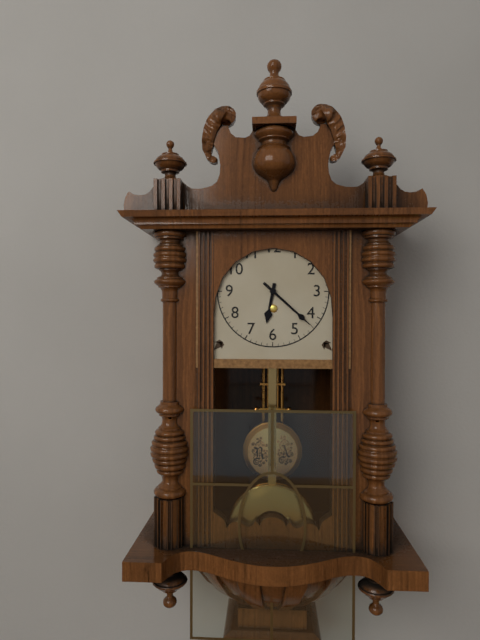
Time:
h=6 m=22
